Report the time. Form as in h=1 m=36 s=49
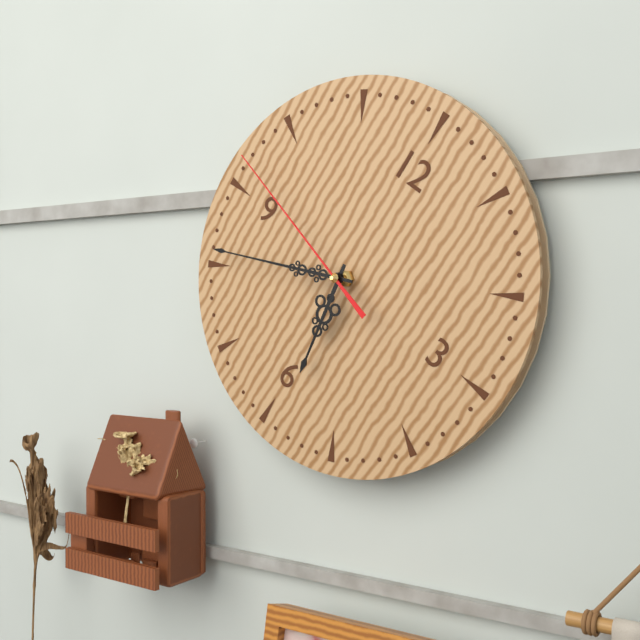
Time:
h=5 m=41 s=47
